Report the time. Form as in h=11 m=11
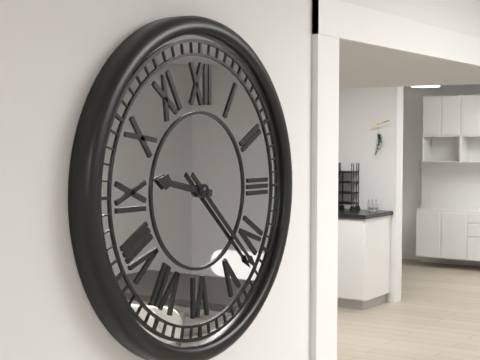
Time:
h=9 m=22
